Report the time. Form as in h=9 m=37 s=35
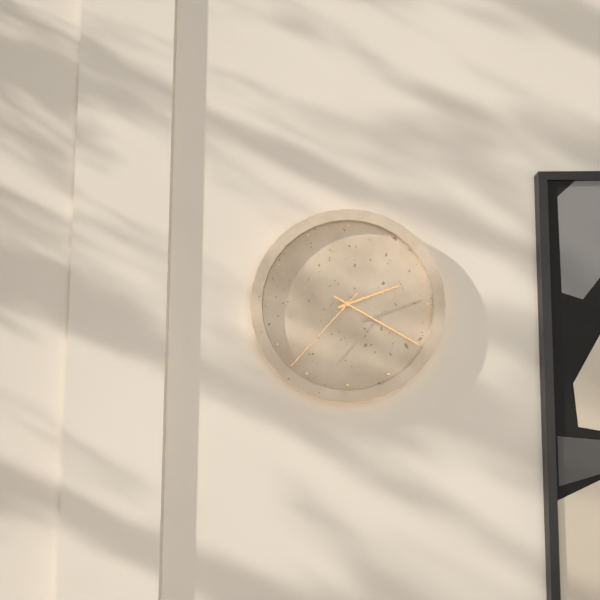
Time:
h=2 m=20 s=37
